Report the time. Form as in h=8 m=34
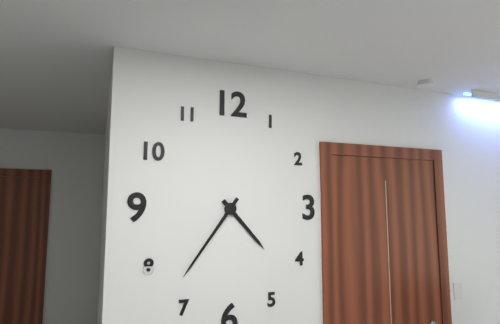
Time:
h=4 m=36
